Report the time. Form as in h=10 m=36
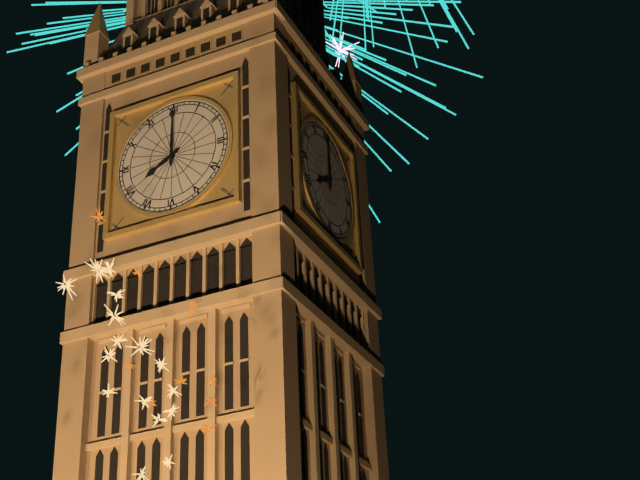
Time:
h=8 m=0
